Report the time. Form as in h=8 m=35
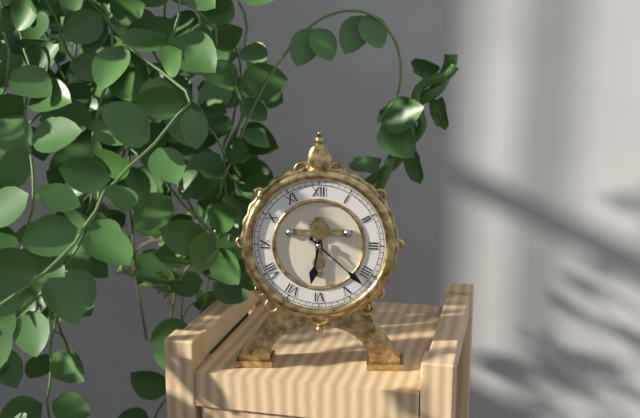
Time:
h=6 m=22
